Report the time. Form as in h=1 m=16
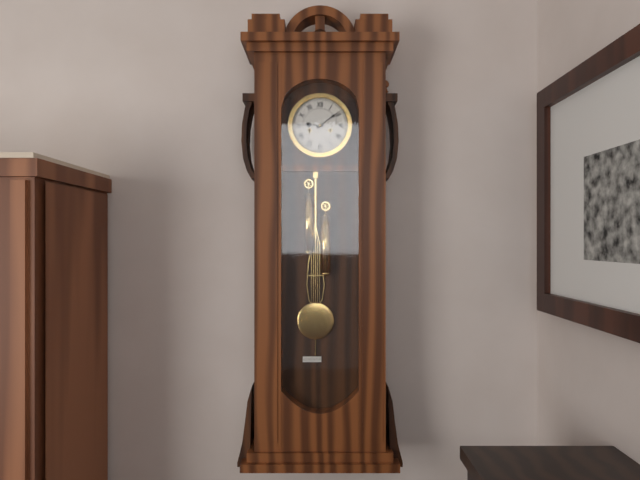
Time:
h=9 m=9
